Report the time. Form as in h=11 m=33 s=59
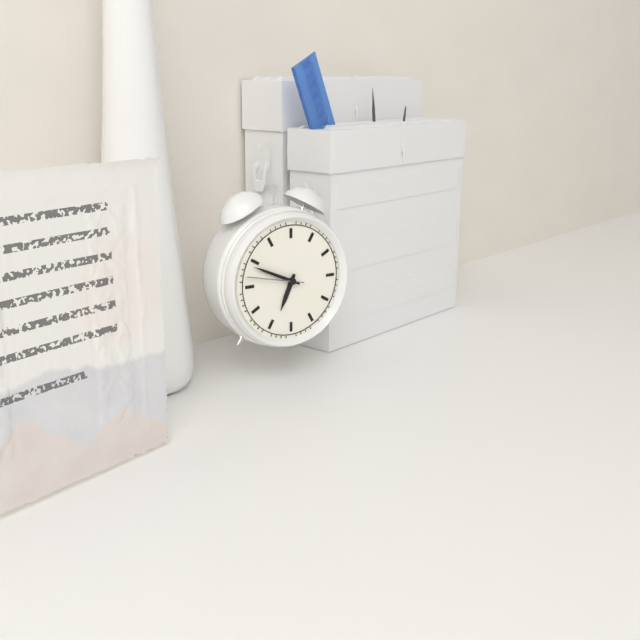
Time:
h=6 m=49 s=47
